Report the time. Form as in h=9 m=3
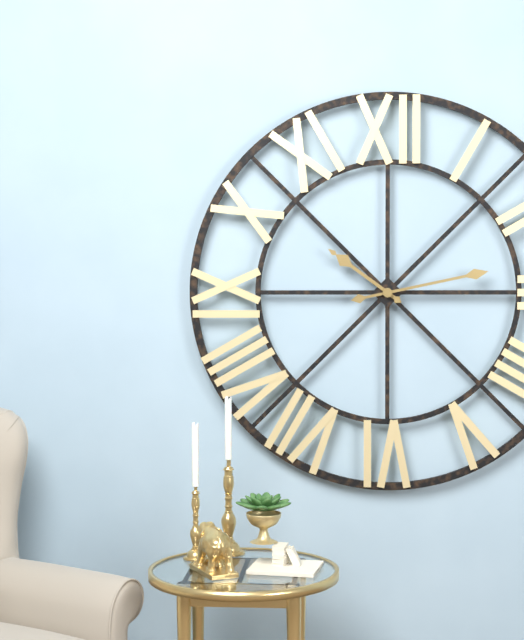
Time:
h=10 m=13
